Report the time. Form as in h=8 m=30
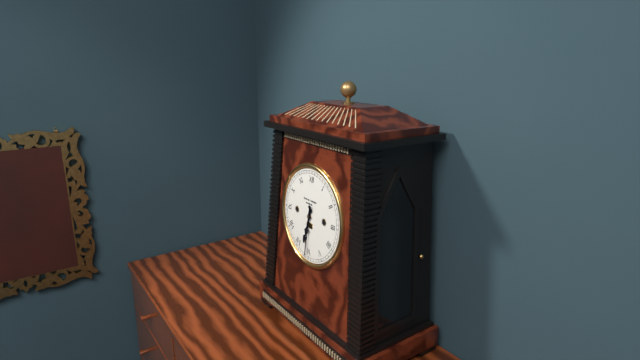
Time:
h=6 m=31
